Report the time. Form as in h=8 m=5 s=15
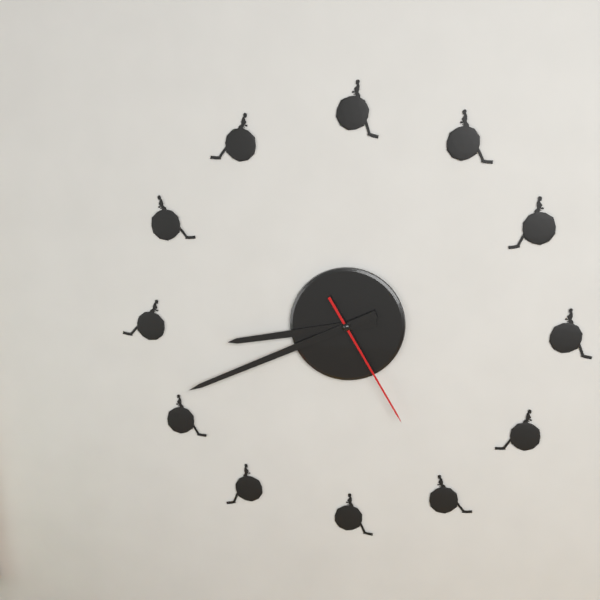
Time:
h=8 m=41 s=25
